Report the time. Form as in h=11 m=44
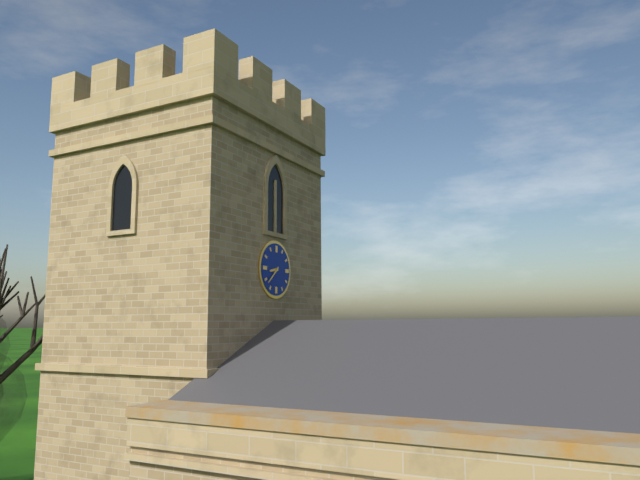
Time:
h=8 m=38
